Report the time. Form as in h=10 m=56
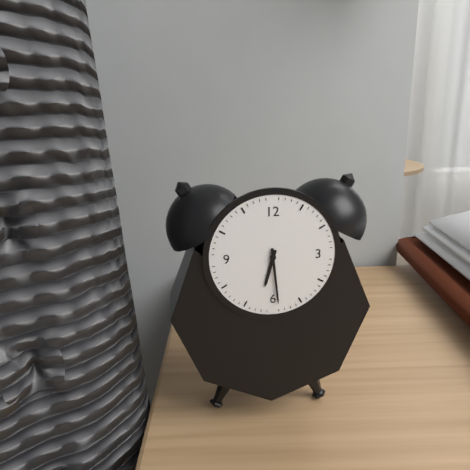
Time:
h=6 m=29
